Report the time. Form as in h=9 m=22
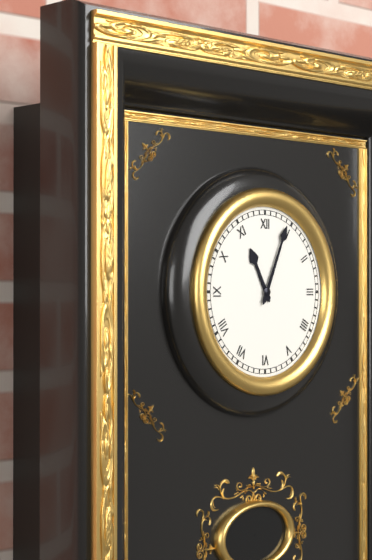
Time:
h=11 m=4
